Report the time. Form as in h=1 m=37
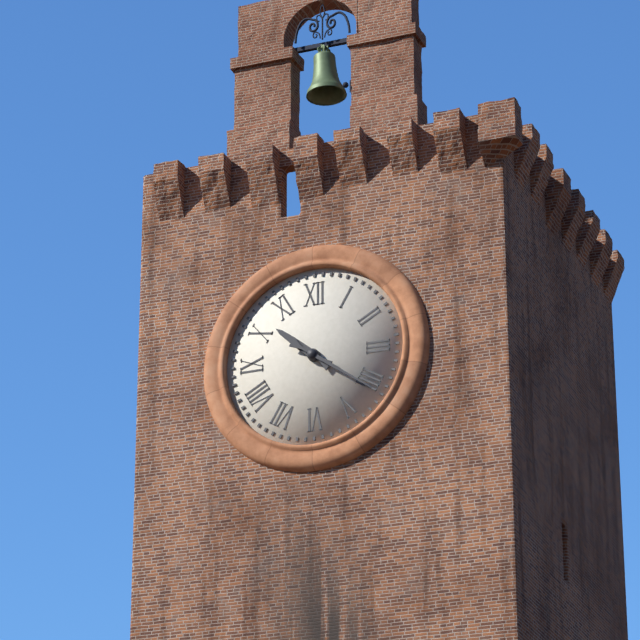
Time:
h=10 m=21
